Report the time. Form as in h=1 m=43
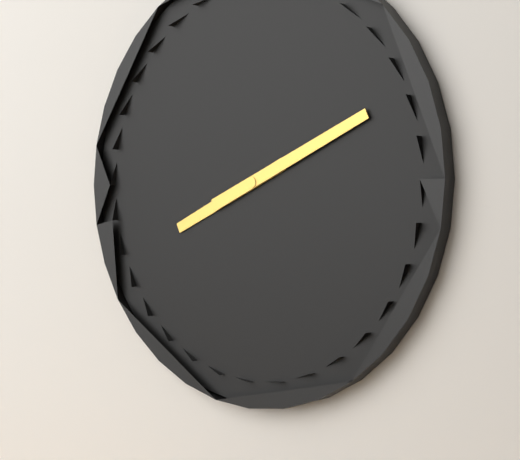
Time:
h=8 m=11
